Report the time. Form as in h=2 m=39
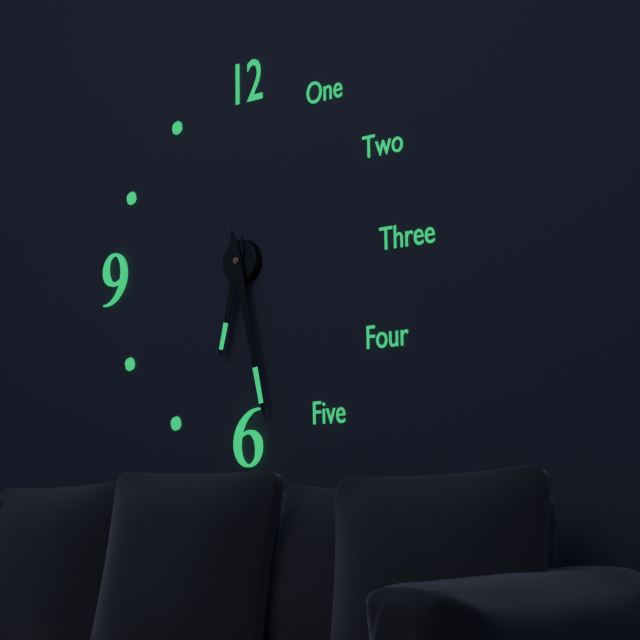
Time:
h=6 m=28
